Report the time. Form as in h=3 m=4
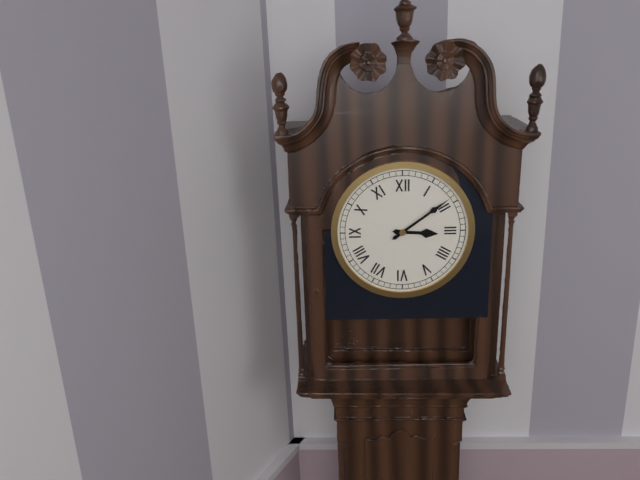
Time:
h=3 m=9
